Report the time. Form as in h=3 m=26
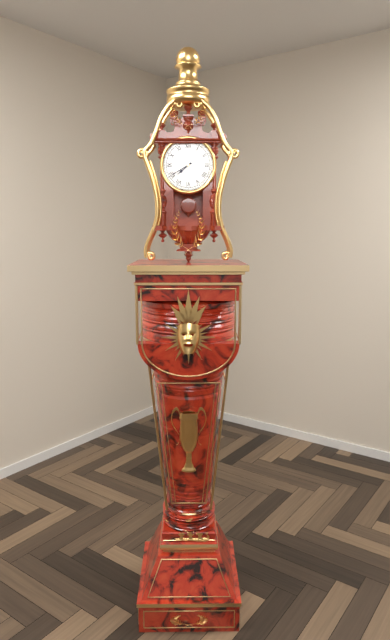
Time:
h=7 m=40
